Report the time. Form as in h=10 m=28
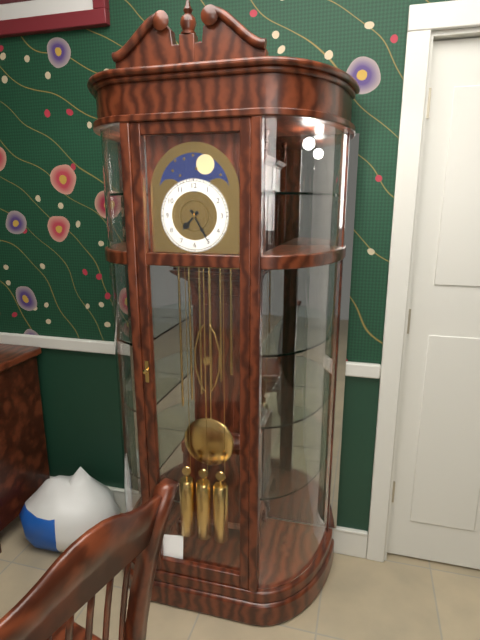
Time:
h=7 m=25
